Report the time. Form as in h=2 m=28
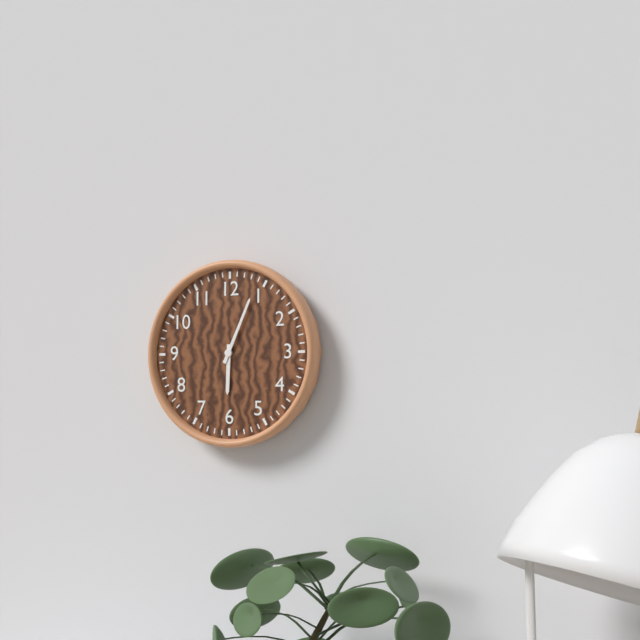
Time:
h=6 m=4
